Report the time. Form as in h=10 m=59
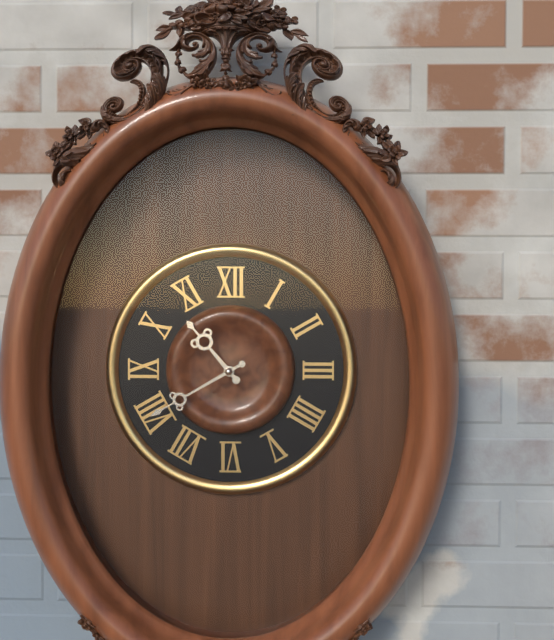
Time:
h=10 m=40
